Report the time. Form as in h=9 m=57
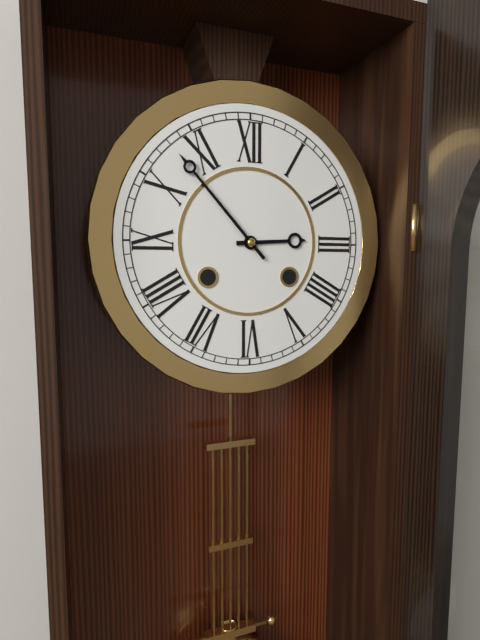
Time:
h=2 m=53
